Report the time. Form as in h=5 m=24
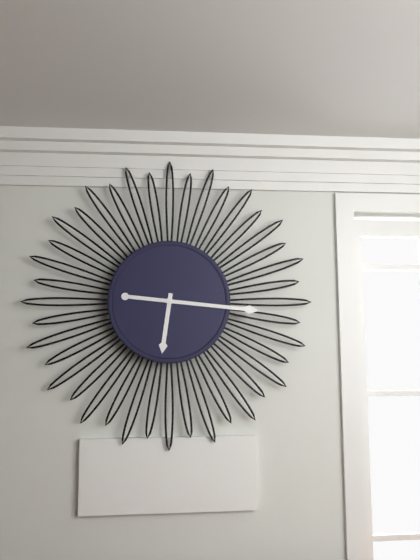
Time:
h=6 m=16
